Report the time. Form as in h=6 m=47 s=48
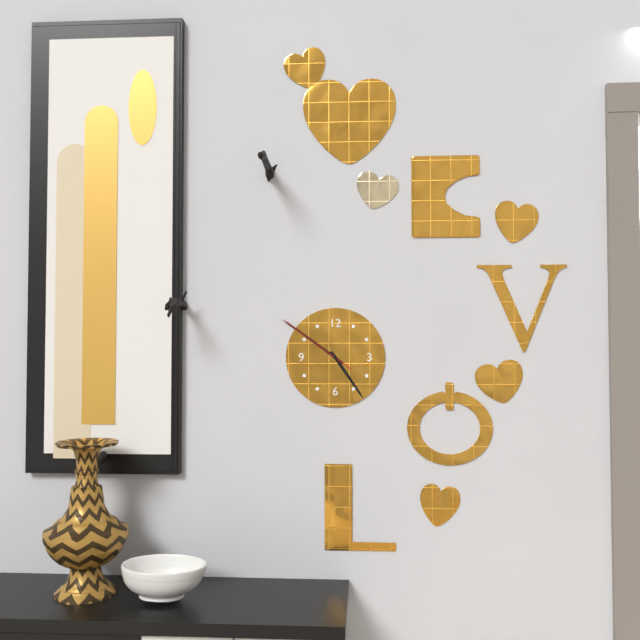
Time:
h=4 m=51 s=51
